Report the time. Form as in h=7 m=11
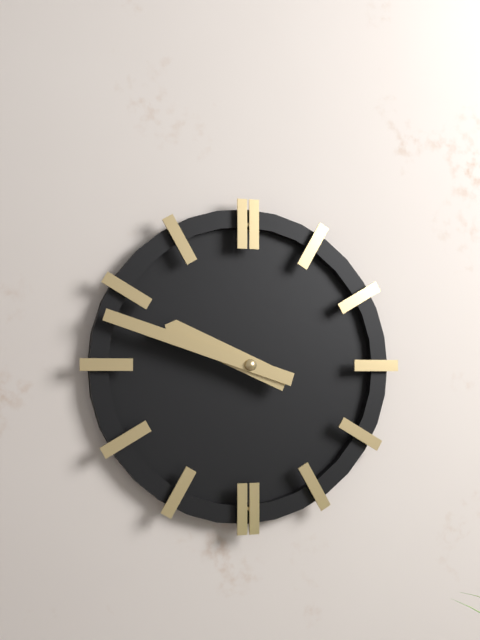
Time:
h=9 m=48
